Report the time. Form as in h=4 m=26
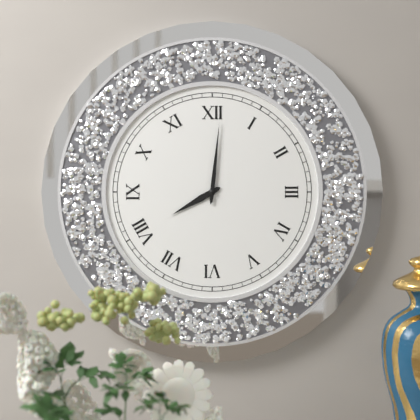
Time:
h=8 m=1
